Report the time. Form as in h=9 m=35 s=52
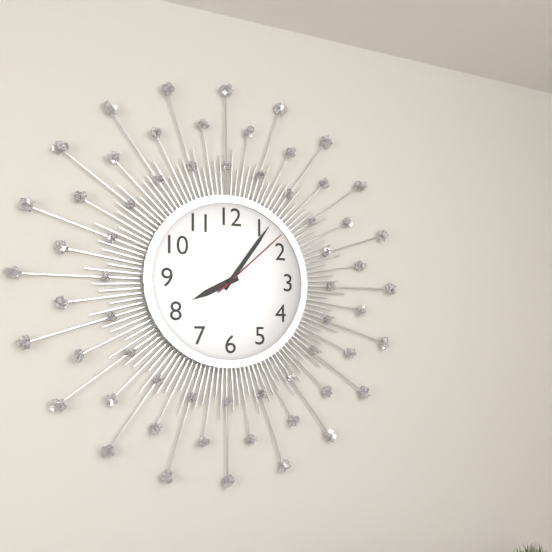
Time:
h=8 m=6 s=8
